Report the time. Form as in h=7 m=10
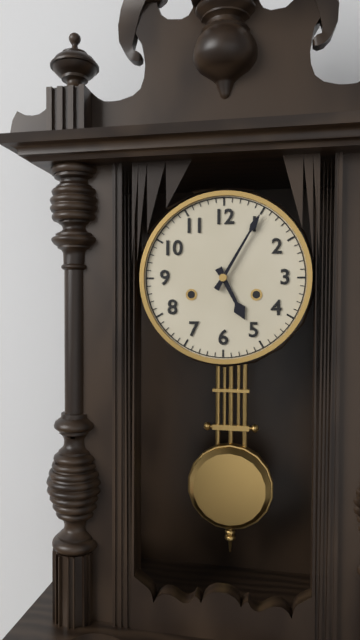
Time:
h=5 m=5
